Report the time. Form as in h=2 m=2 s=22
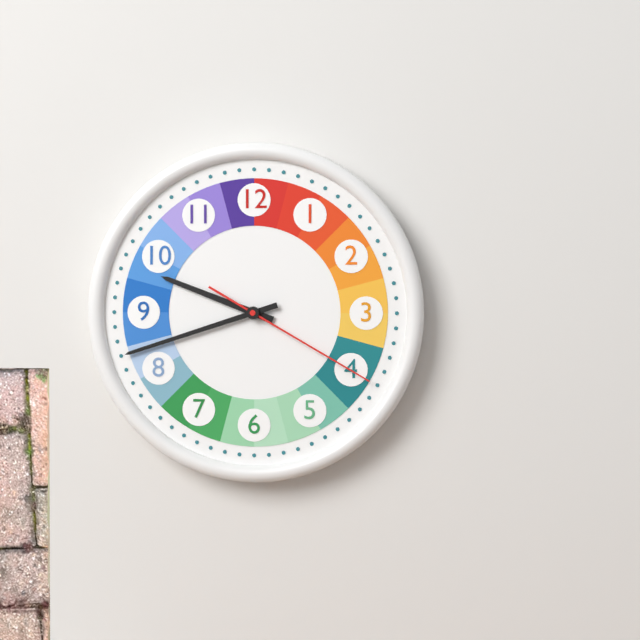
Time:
h=9 m=42 s=20
